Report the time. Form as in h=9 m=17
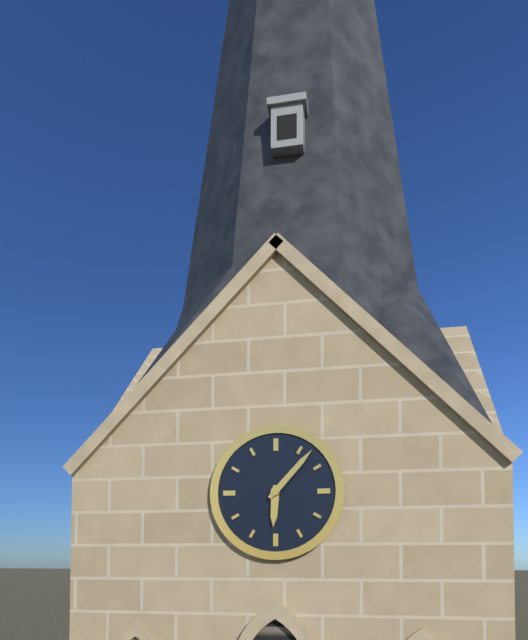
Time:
h=6 m=7
